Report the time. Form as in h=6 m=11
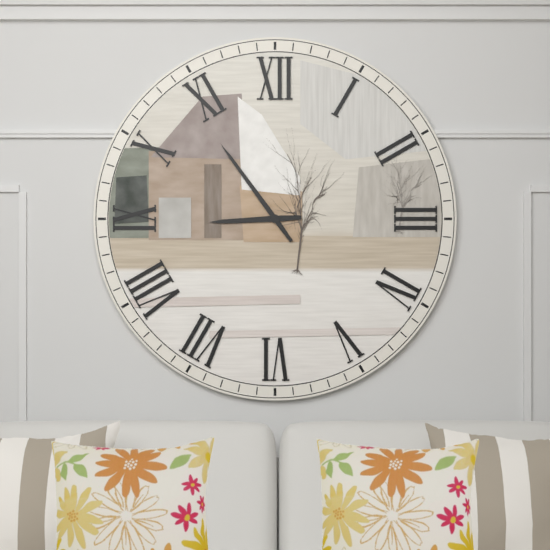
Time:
h=8 m=54
